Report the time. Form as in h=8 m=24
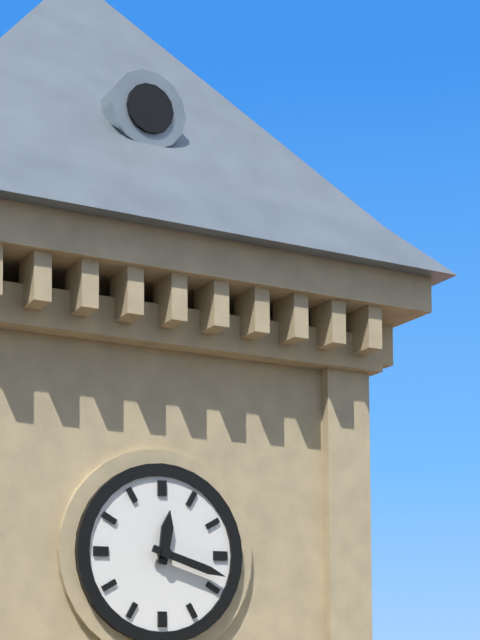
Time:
h=12 m=18
